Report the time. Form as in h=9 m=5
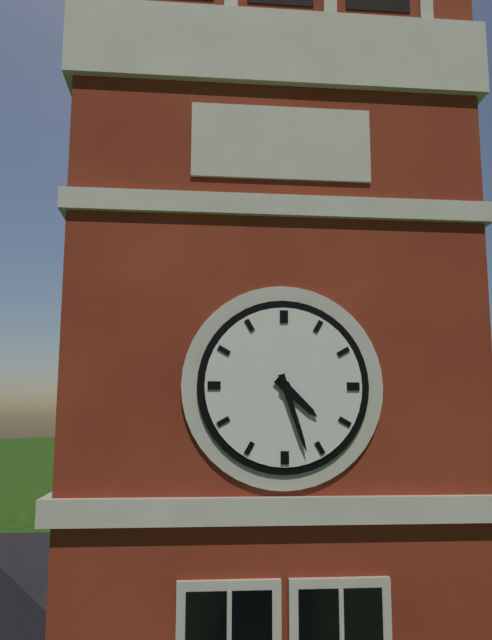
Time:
h=4 m=27
